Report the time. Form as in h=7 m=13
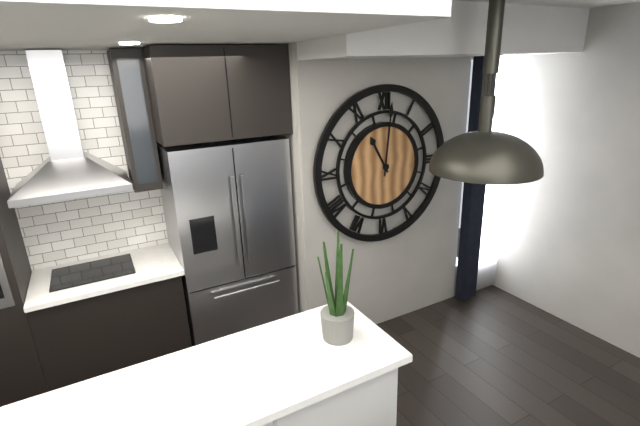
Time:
h=11 m=1
